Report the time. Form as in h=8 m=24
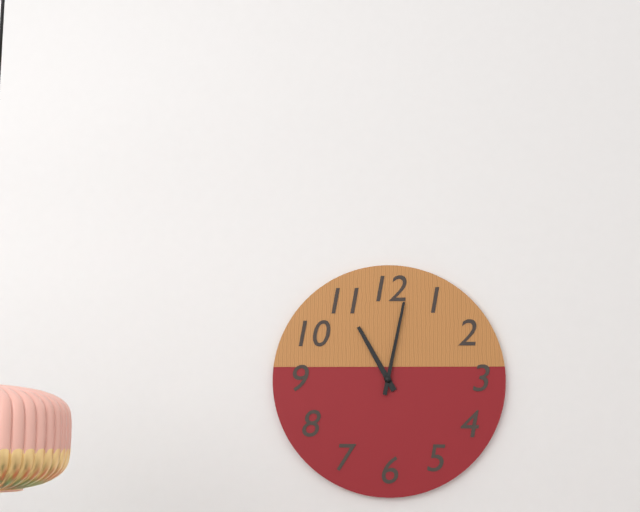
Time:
h=11 m=2
